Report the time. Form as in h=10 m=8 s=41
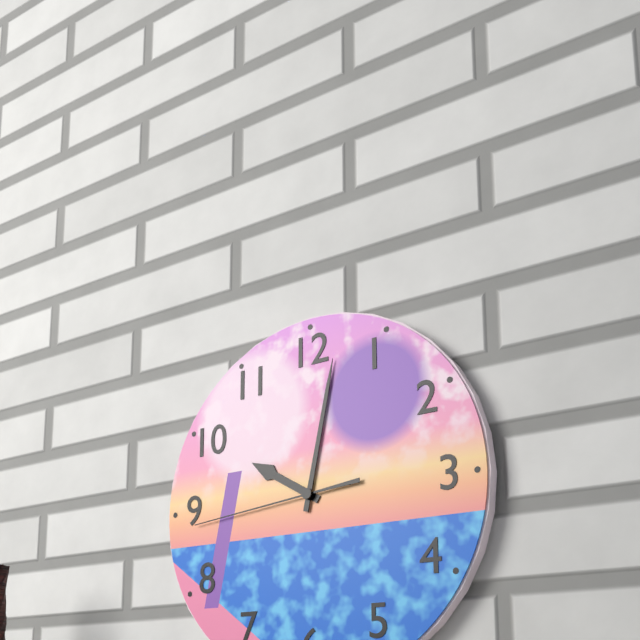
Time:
h=10 m=2 s=44
